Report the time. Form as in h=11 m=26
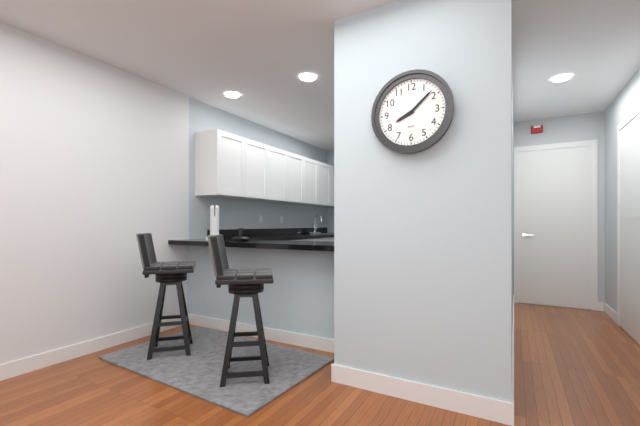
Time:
h=8 m=8
